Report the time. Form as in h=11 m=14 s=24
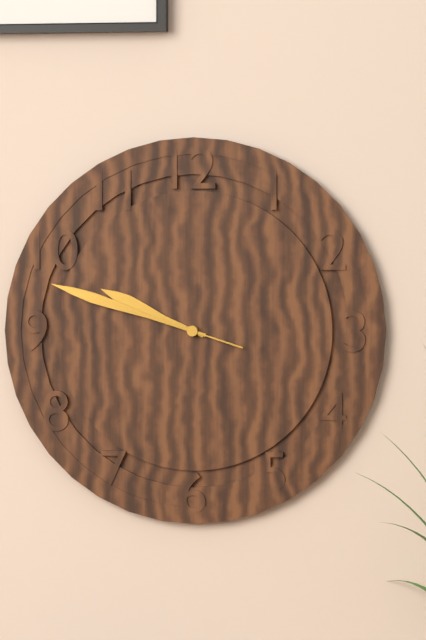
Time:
h=9 m=48 s=48
